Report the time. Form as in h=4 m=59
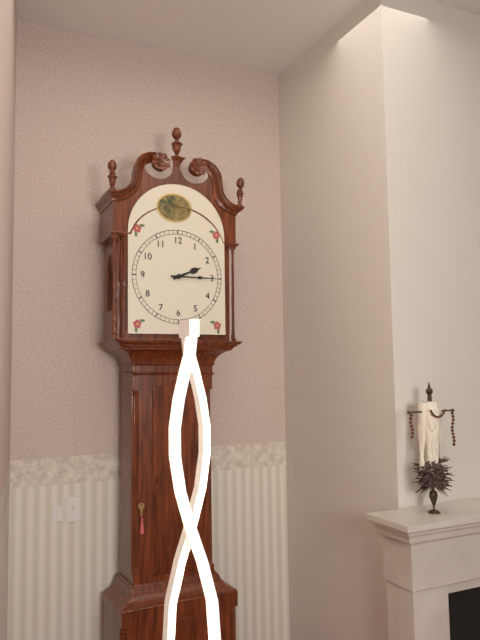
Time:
h=2 m=15
